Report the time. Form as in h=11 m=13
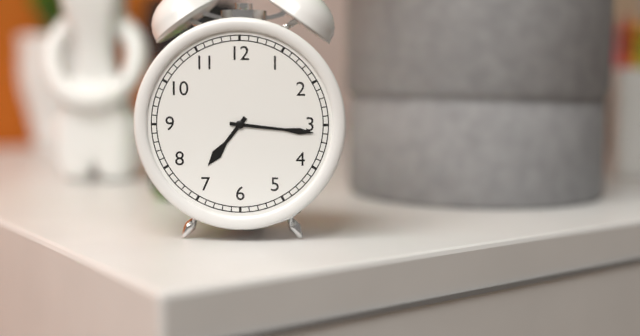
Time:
h=7 m=16
